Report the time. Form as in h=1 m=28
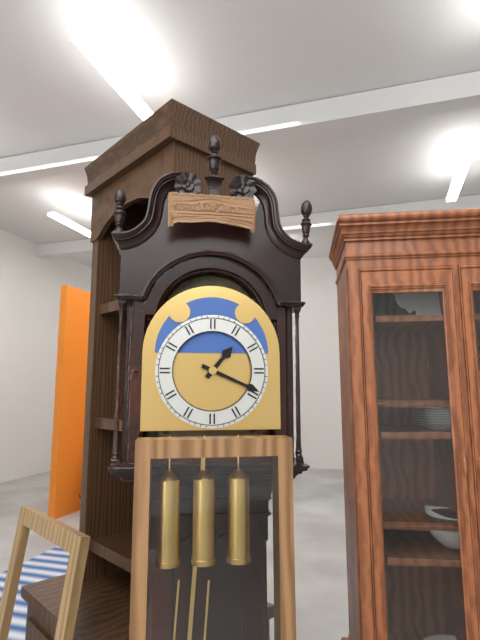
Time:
h=1 m=19
